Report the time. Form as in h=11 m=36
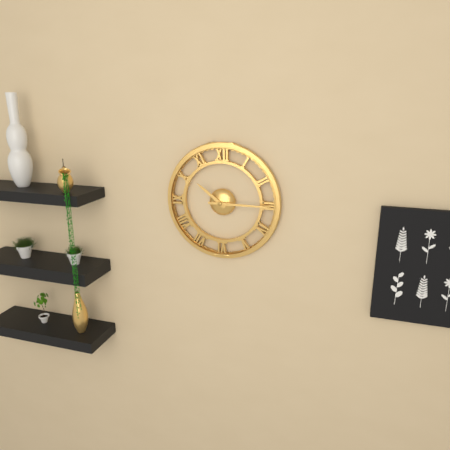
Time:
h=10 m=15
